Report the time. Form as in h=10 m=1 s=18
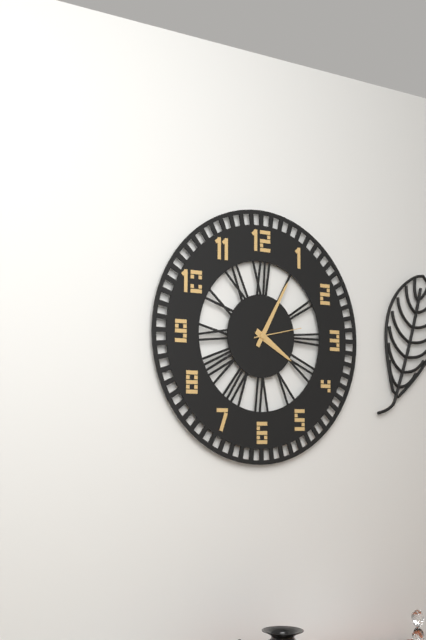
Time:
h=4 m=5 s=13
